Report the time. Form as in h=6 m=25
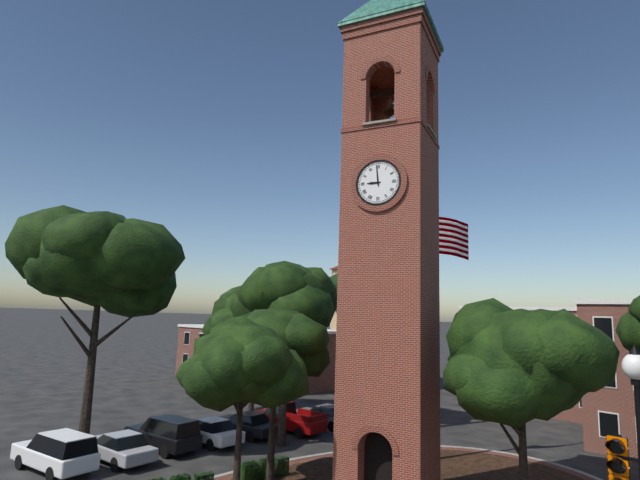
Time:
h=8 m=59
